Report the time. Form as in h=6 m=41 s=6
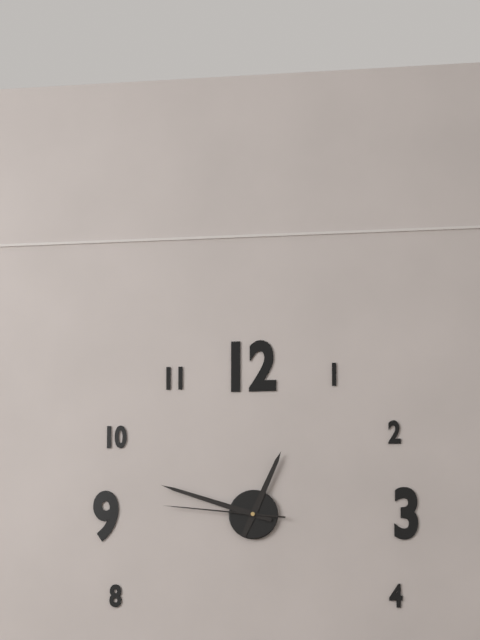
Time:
h=12 m=48 s=46
